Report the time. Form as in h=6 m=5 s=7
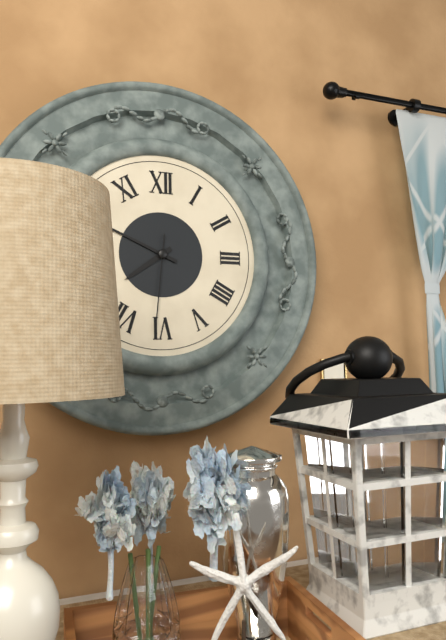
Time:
h=7 m=49 s=31
